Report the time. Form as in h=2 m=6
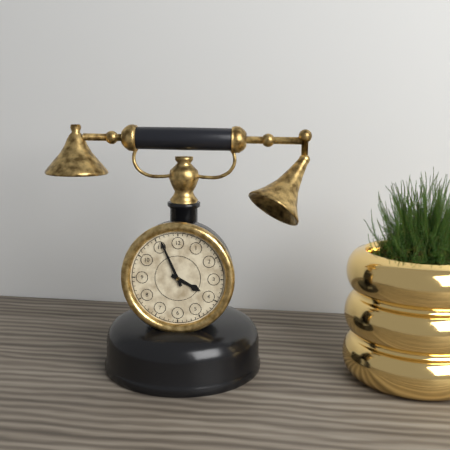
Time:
h=3 m=56
